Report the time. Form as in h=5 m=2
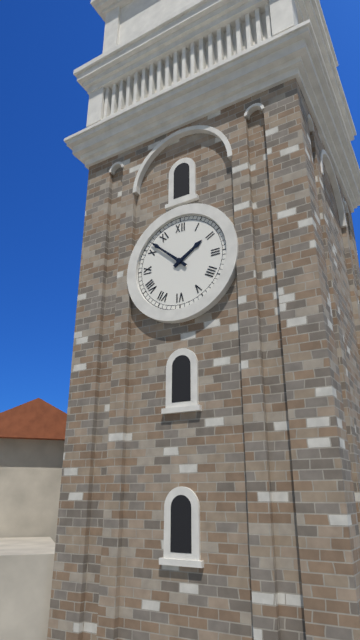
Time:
h=1 m=52
